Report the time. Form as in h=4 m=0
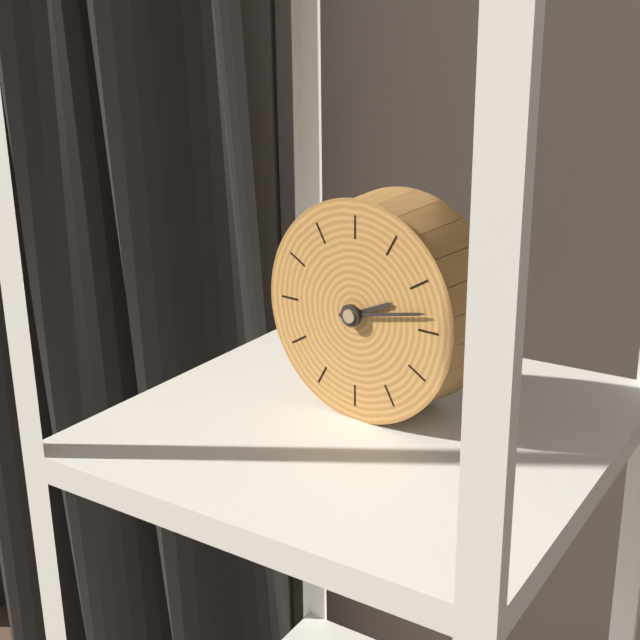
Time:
h=2 m=13
